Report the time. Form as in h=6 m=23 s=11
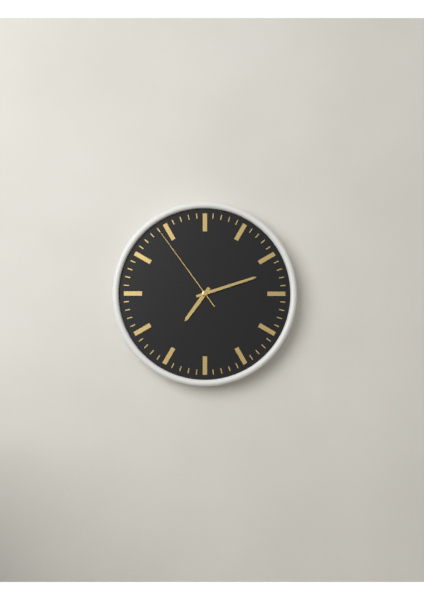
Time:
h=7 m=12 s=54
